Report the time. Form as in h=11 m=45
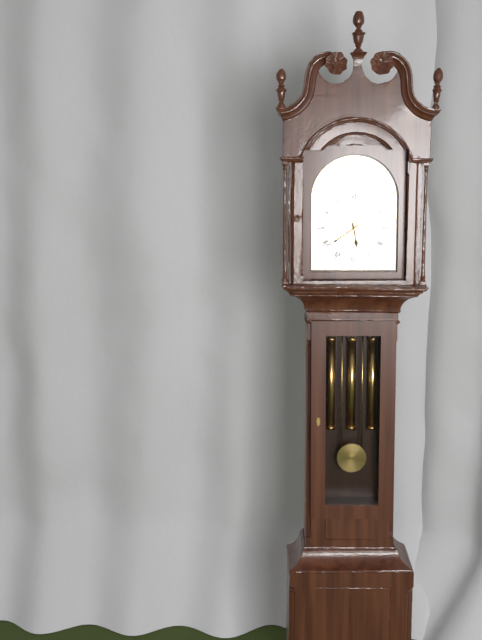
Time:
h=5 m=39
